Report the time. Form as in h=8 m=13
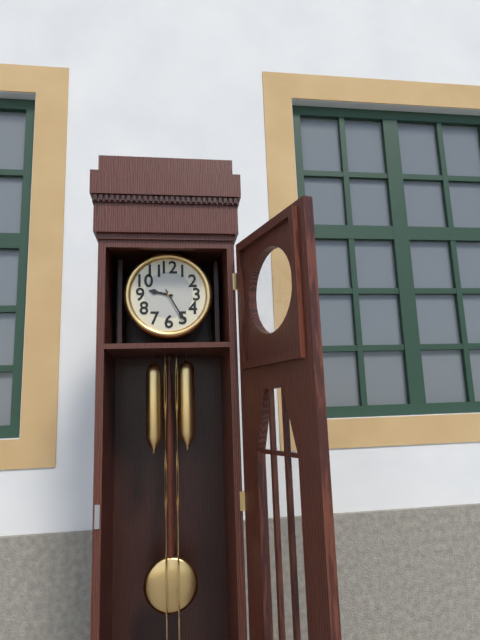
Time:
h=9 m=25
